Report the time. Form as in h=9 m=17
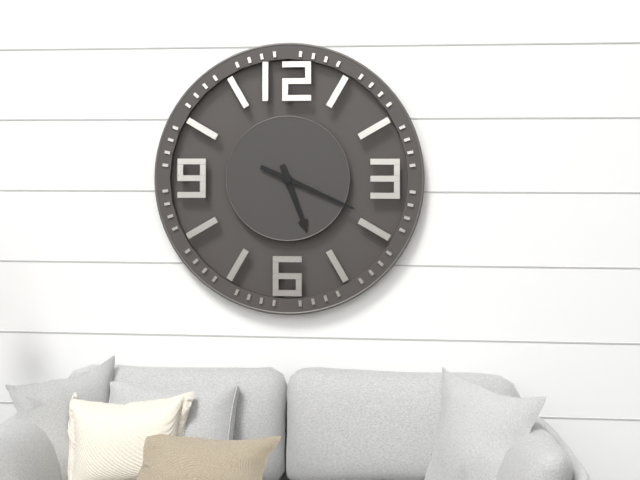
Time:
h=5 m=19
